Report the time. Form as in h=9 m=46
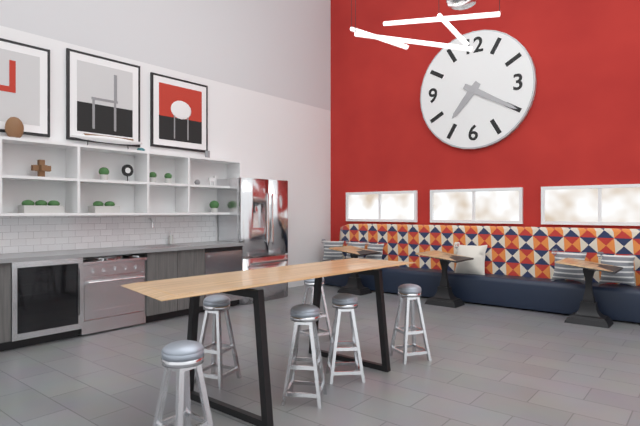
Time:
h=7 m=20
